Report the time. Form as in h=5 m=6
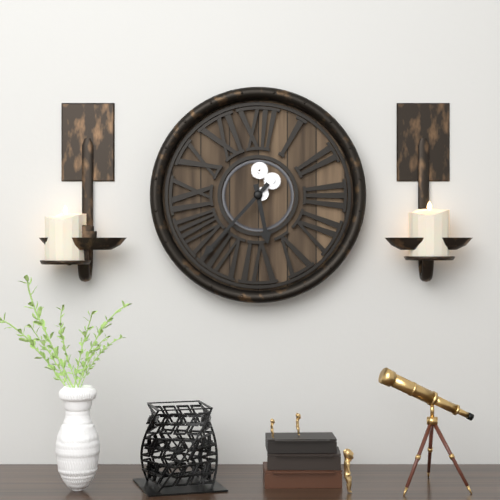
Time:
h=5 m=37
